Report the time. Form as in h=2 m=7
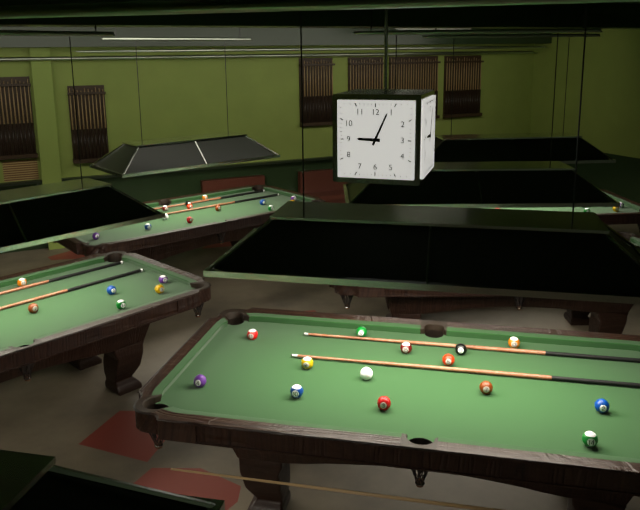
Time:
h=9 m=4
